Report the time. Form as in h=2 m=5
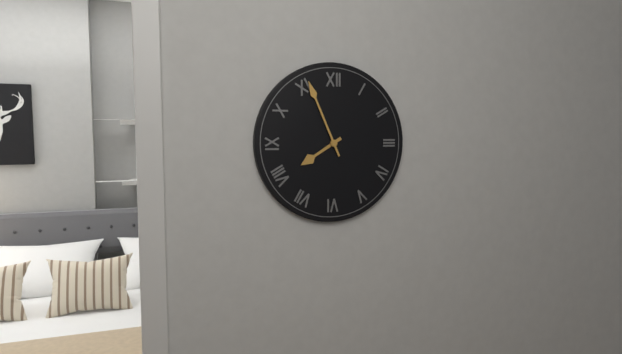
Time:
h=7 m=56
